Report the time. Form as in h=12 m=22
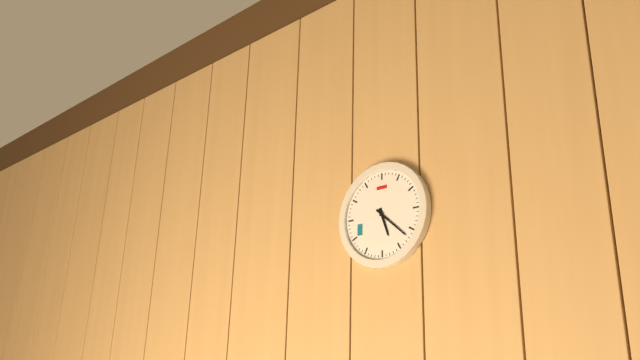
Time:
h=5 m=22
